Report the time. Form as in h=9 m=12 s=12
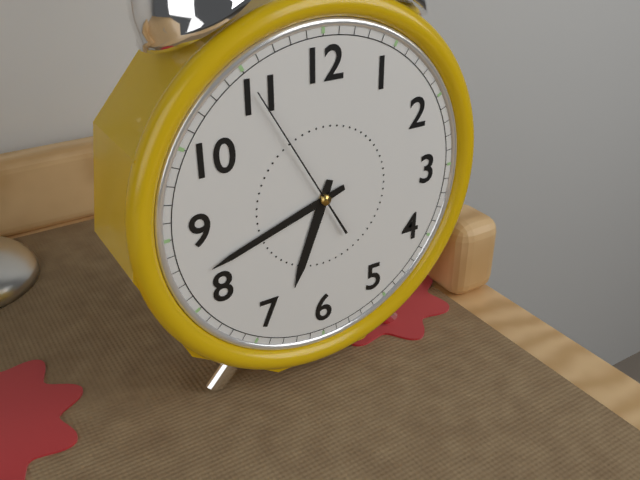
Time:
h=6 m=42 s=55
